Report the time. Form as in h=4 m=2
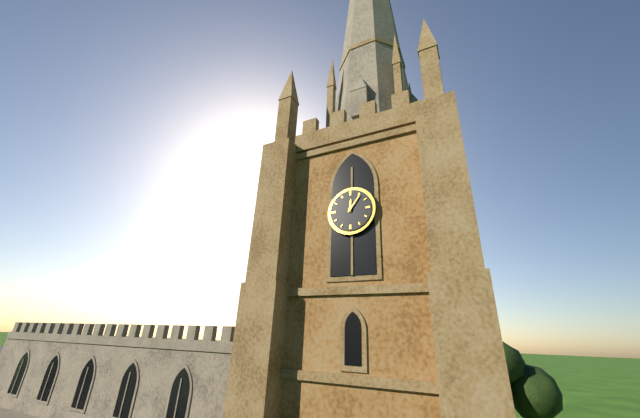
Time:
h=12 m=6
